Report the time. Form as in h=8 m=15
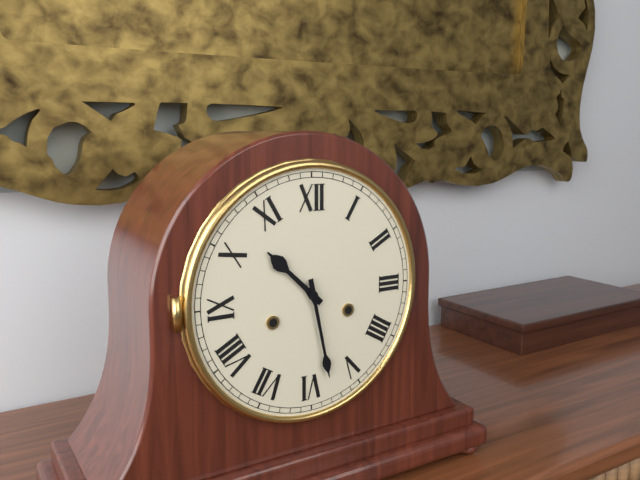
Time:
h=10 m=28
